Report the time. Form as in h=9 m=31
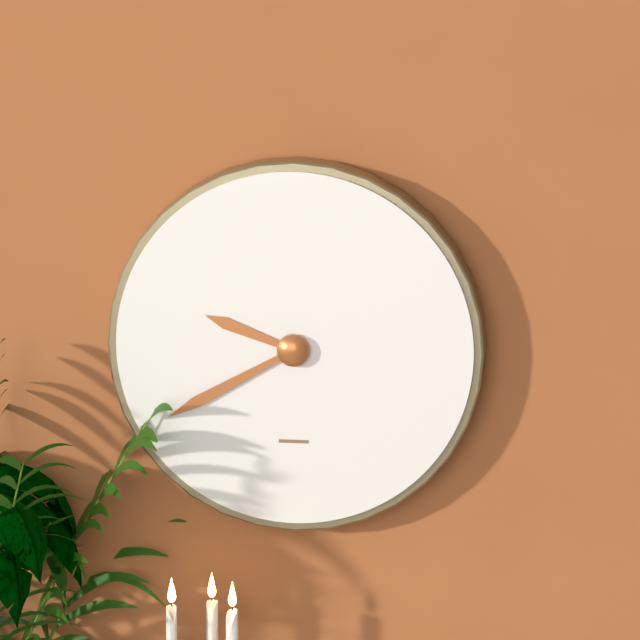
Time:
h=9 m=40
